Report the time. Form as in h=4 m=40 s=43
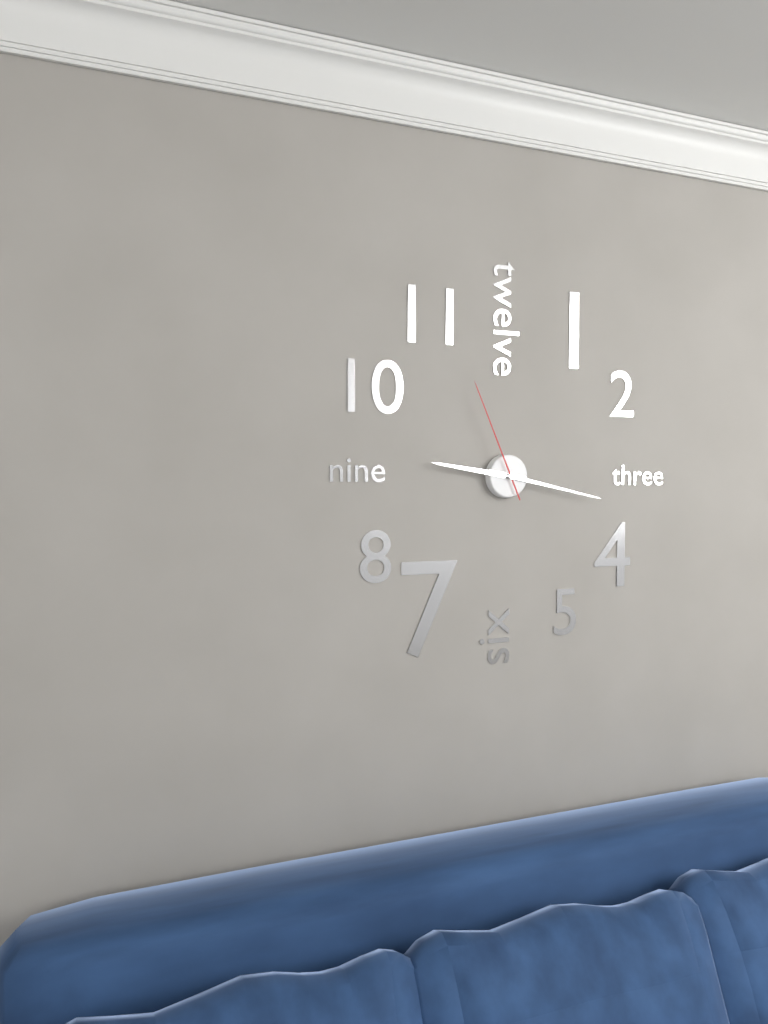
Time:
h=9 m=17 s=56
